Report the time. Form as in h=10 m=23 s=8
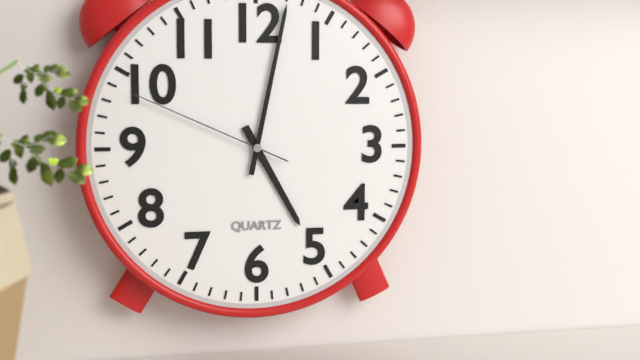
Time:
h=5 m=2 s=49
